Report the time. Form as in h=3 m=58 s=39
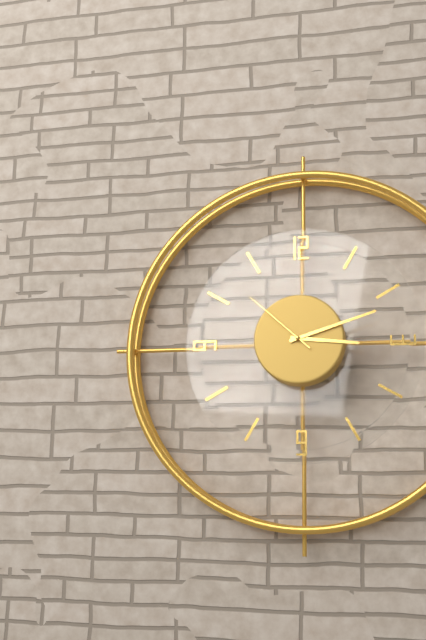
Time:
h=3 m=12 s=52
